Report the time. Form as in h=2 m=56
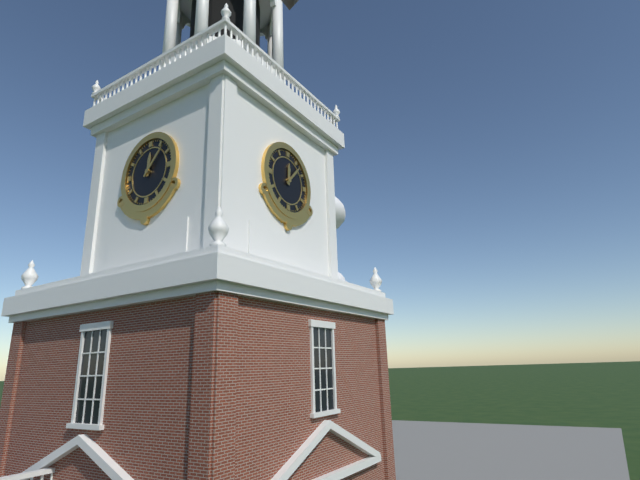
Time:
h=12 m=7
